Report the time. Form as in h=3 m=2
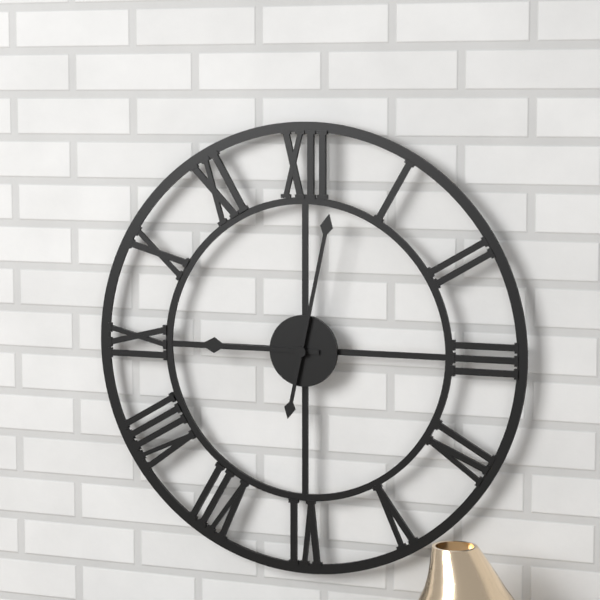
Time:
h=9 m=2
